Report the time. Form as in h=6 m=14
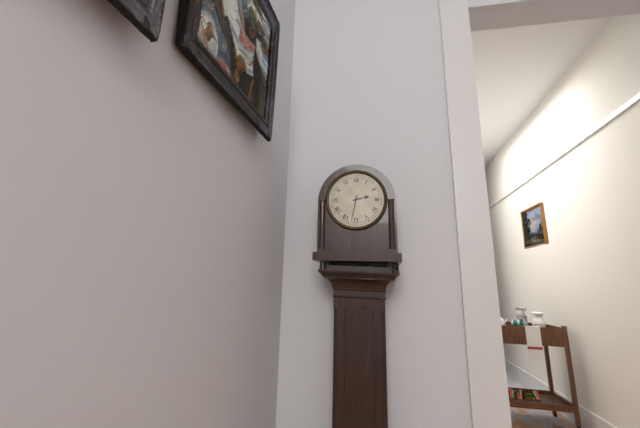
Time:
h=2 m=32
